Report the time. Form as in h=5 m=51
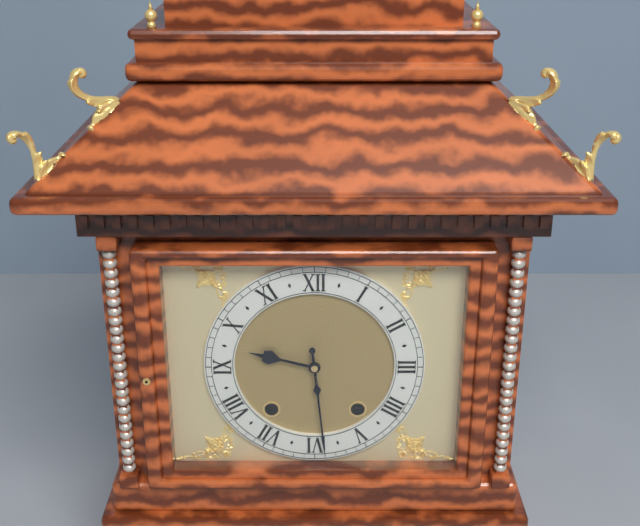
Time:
h=9 m=29
